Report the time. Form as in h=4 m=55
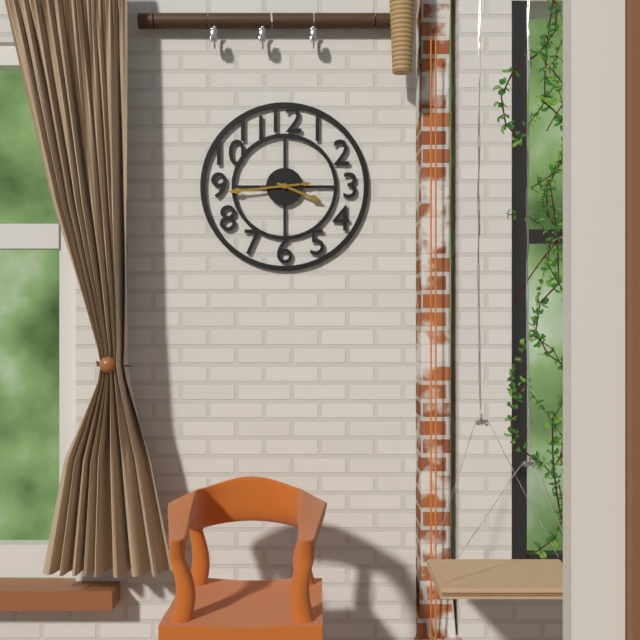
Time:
h=3 m=44
